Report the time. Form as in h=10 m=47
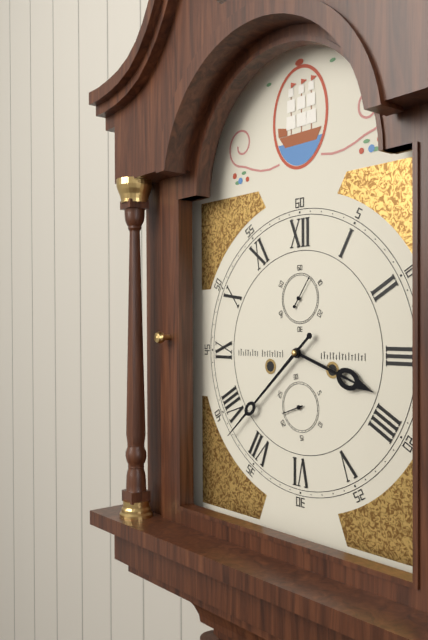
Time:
h=3 m=38
